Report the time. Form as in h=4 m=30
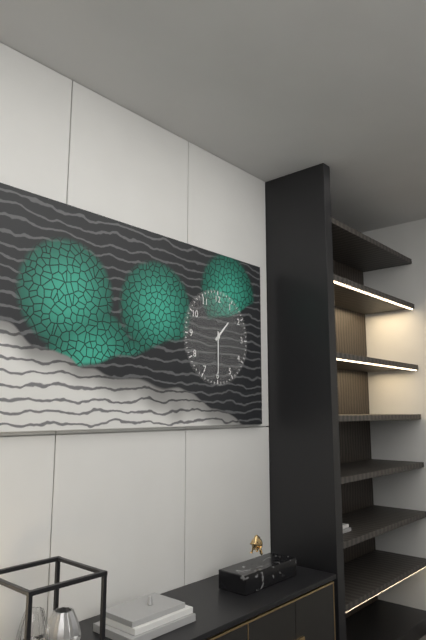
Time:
h=1 m=30
